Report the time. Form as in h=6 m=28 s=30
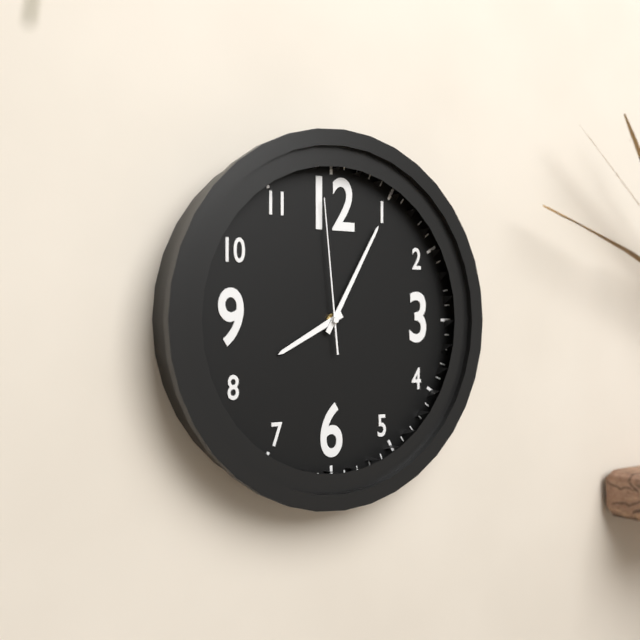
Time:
h=8 m=5 s=59
